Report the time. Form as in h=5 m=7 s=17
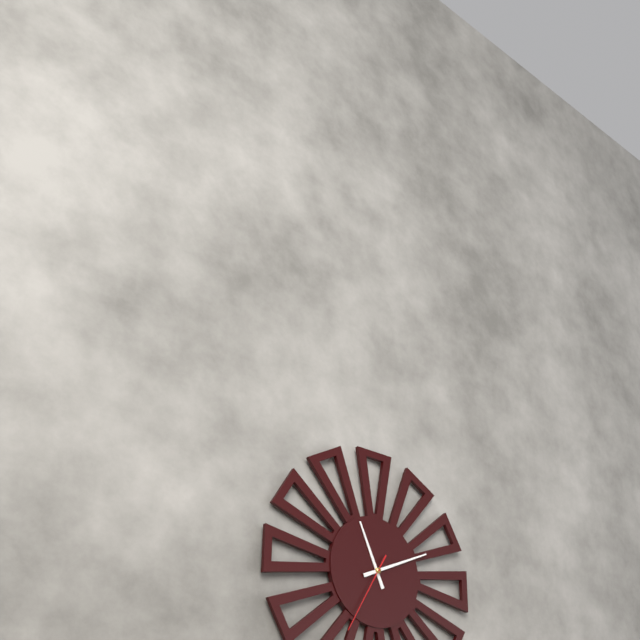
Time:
h=11 m=11 s=35
